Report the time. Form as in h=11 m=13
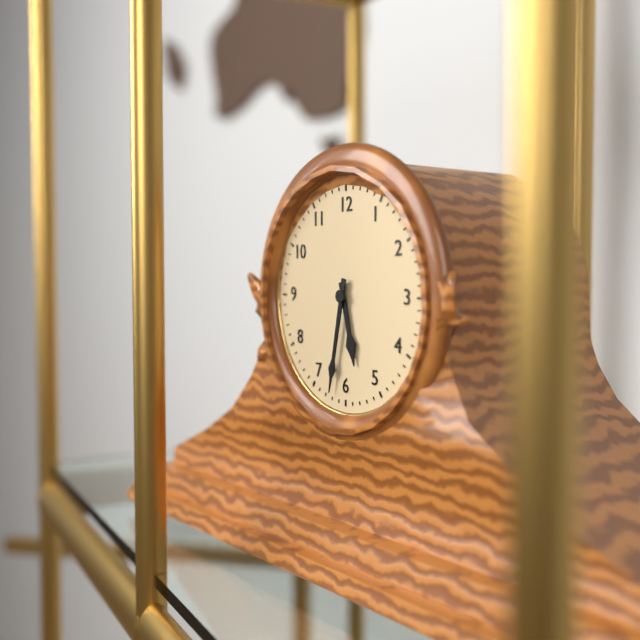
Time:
h=5 m=32
